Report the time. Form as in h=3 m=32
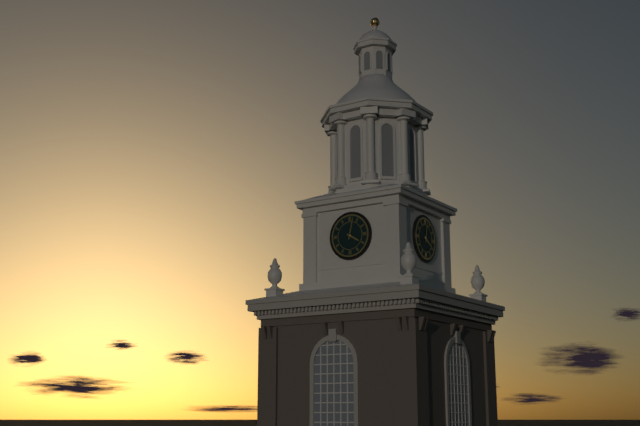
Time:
h=4 m=2
